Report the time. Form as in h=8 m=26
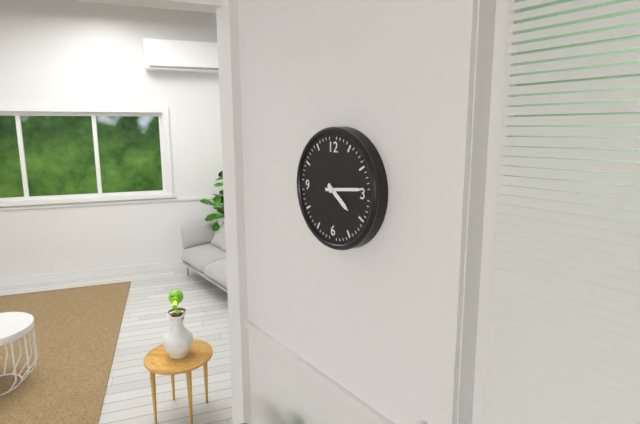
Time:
h=4 m=14
